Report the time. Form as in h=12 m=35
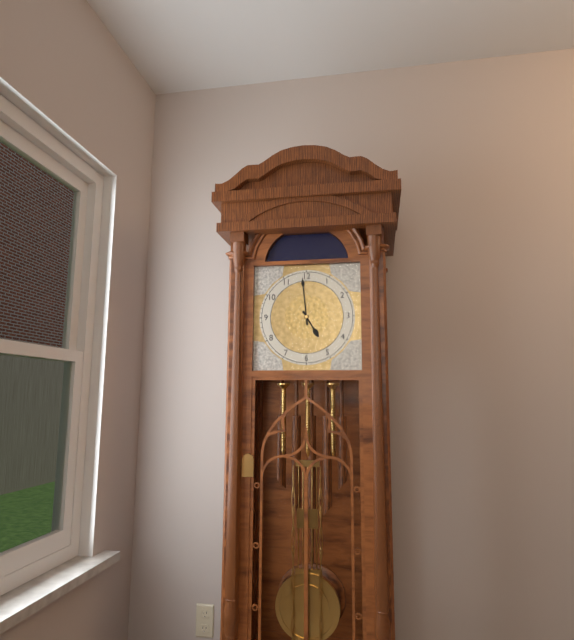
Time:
h=4 m=59
